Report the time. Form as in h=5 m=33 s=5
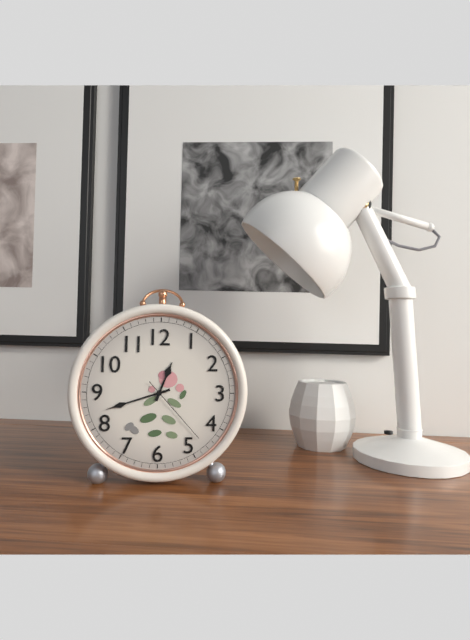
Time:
h=12 m=42 s=23
